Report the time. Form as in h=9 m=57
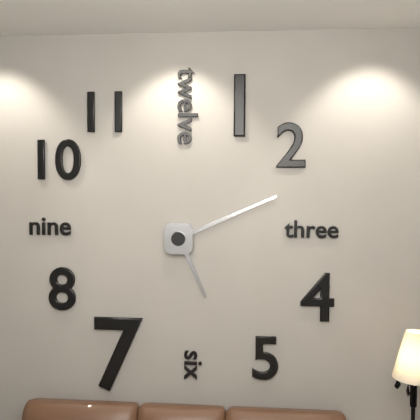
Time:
h=5 m=11
